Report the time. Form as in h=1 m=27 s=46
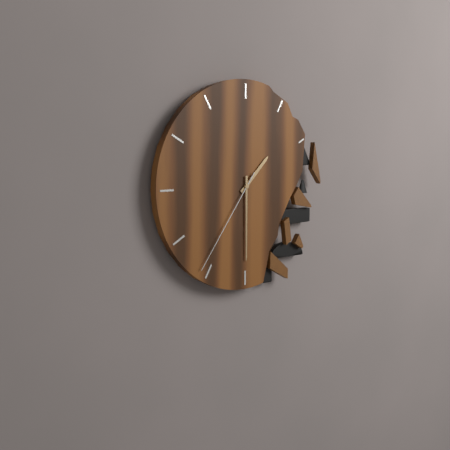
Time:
h=1 m=30 s=36
